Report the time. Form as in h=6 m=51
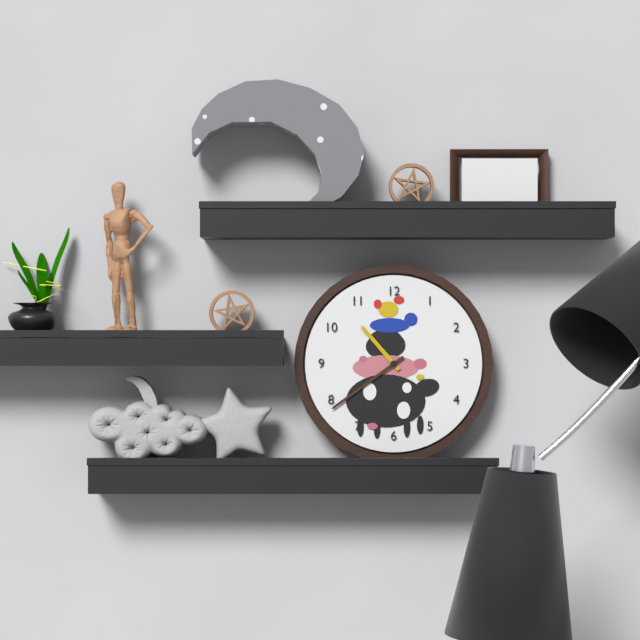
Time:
h=10 m=39
